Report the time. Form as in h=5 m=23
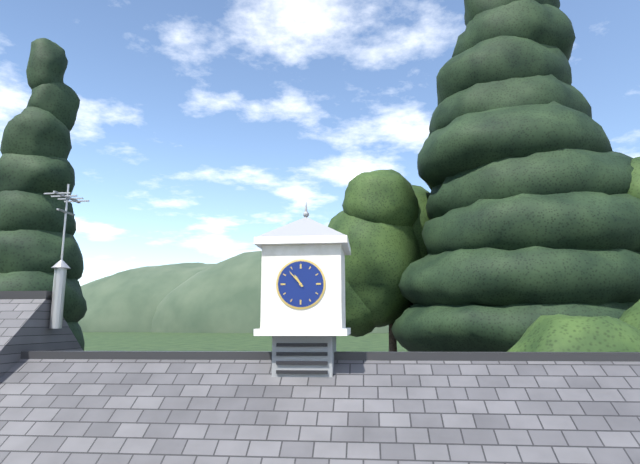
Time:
h=10 m=53
